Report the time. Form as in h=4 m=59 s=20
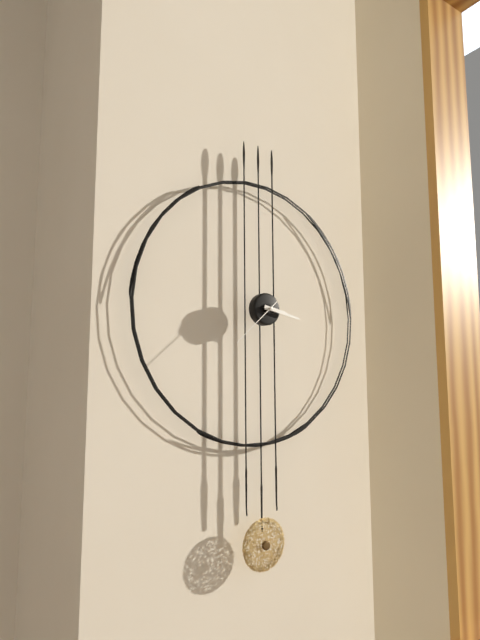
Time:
h=3 m=17 s=38
